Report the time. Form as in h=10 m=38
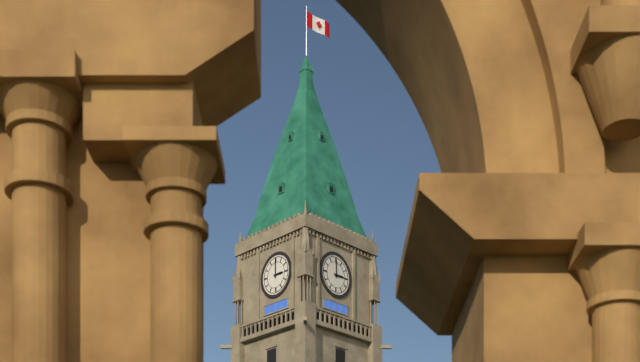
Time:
h=3 m=0
